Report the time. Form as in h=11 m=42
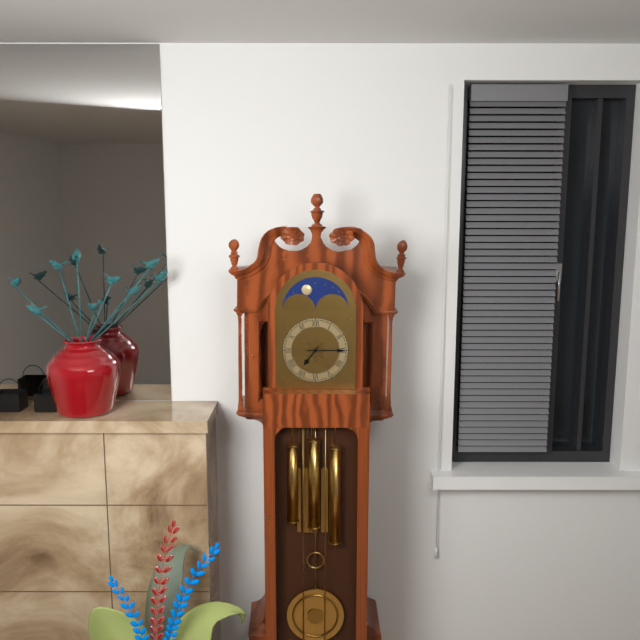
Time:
h=7 m=15
